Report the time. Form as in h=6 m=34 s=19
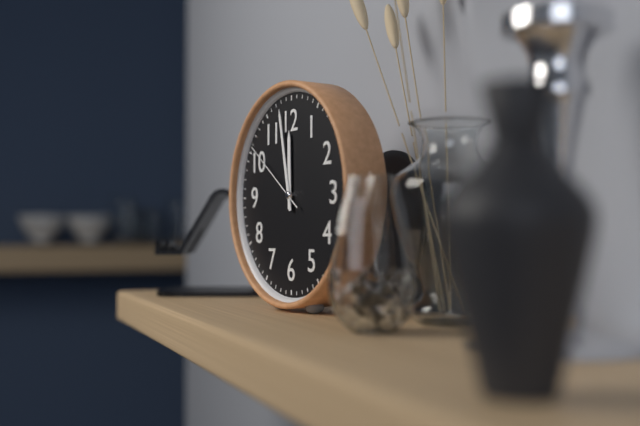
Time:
h=11 m=58 s=51
